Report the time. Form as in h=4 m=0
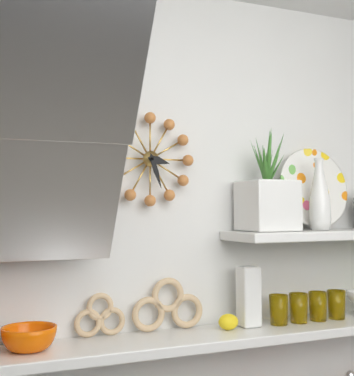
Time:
h=3 m=27
